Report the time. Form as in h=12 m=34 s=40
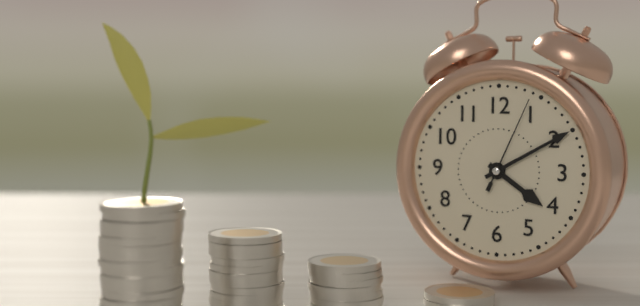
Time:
h=4 m=10 s=4
